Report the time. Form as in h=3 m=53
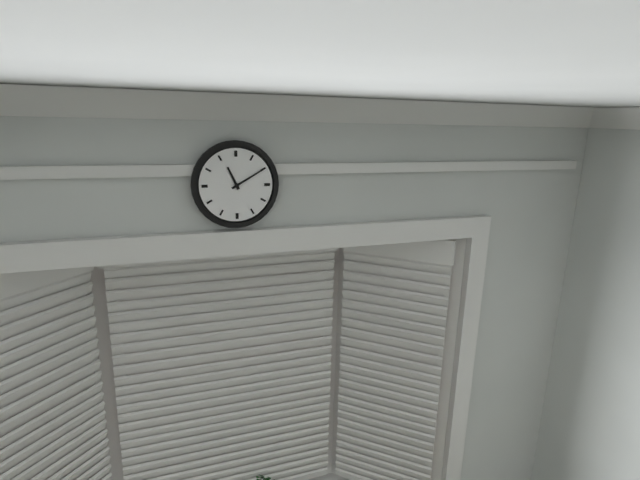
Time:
h=11 m=10
